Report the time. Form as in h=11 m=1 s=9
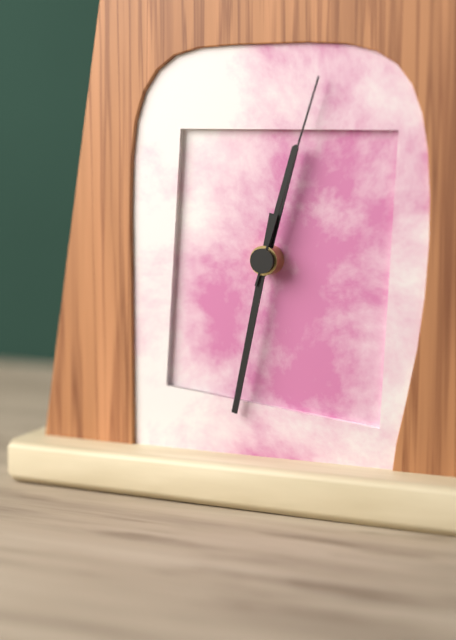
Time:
h=12 m=32 s=3
